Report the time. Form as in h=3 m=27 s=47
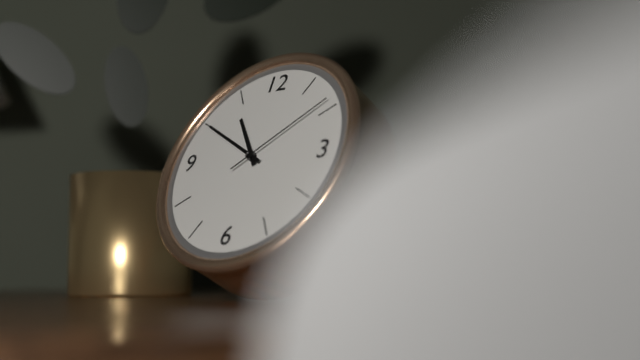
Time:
h=10 m=50 s=9
